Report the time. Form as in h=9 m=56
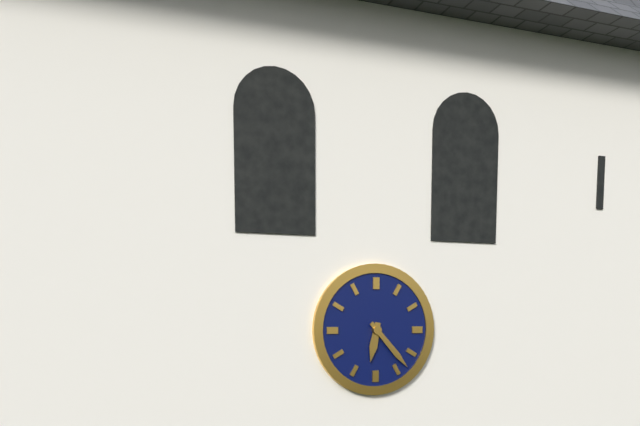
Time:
h=6 m=23
